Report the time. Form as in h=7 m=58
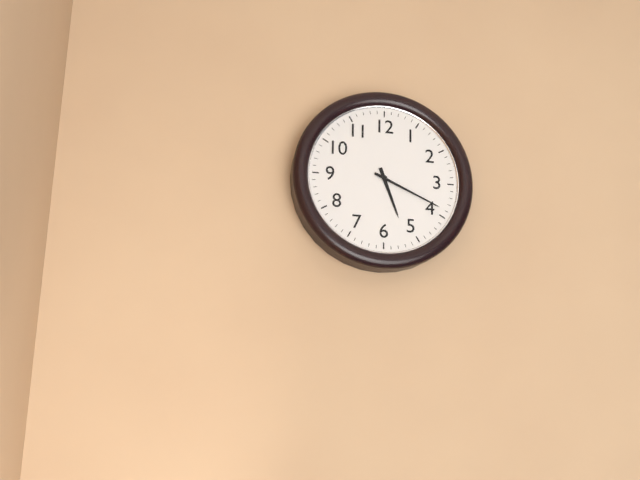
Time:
h=5 m=19
